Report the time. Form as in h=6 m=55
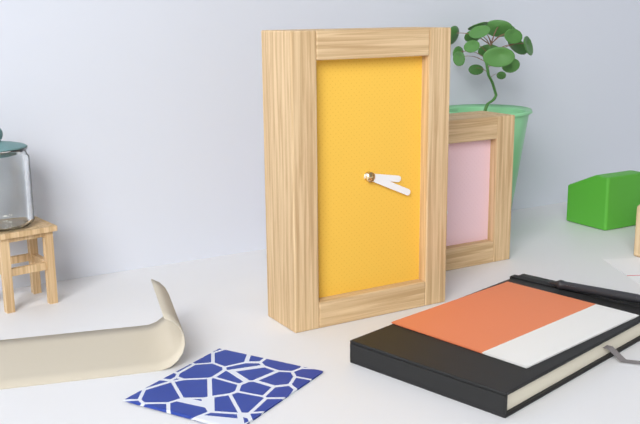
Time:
h=3 m=19
